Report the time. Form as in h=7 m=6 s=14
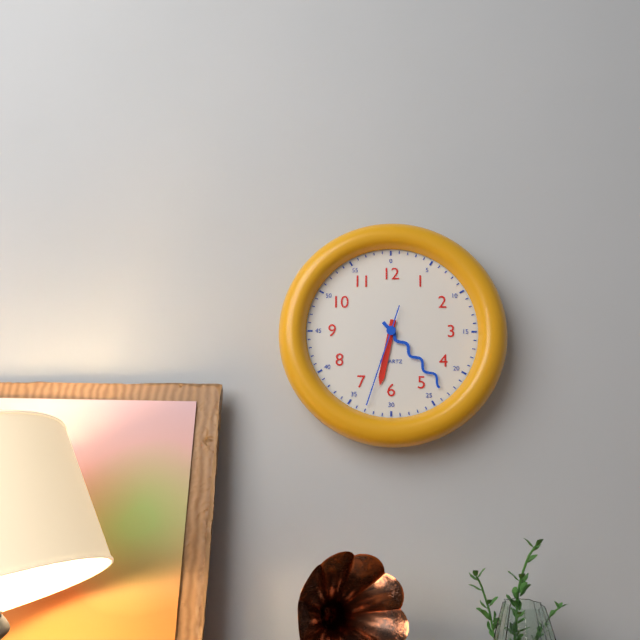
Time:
h=6 m=23 s=33
